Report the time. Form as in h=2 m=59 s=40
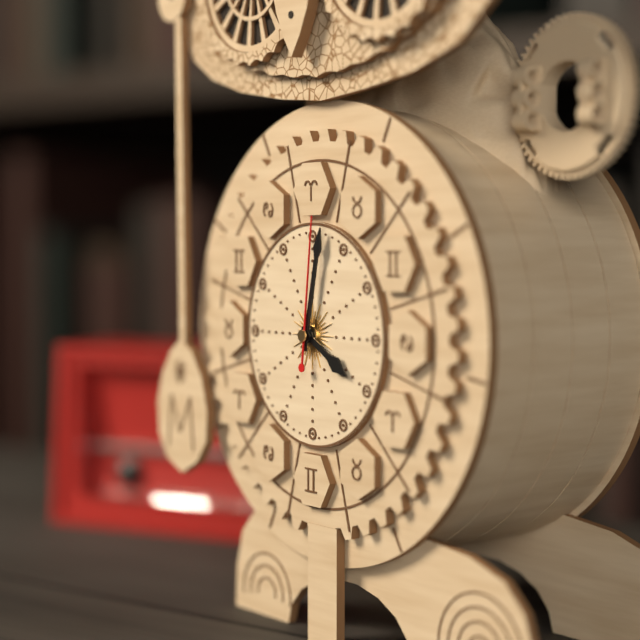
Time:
h=4 m=2 s=1
